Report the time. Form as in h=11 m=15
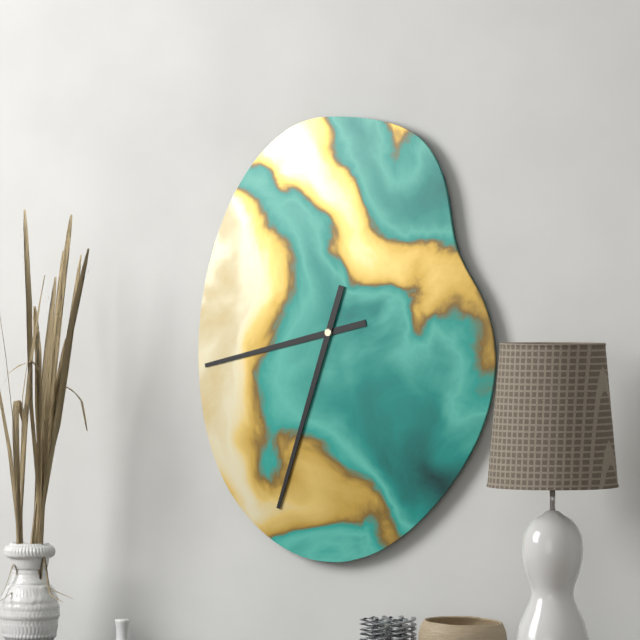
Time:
h=8 m=33
